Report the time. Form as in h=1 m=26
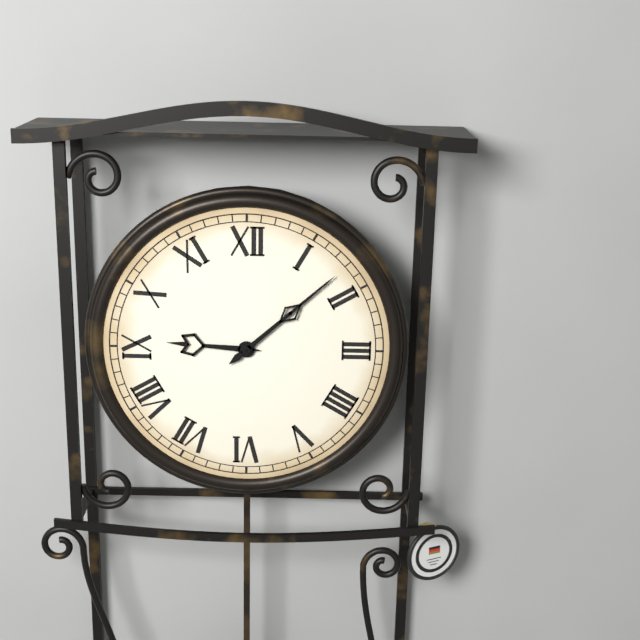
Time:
h=9 m=8
